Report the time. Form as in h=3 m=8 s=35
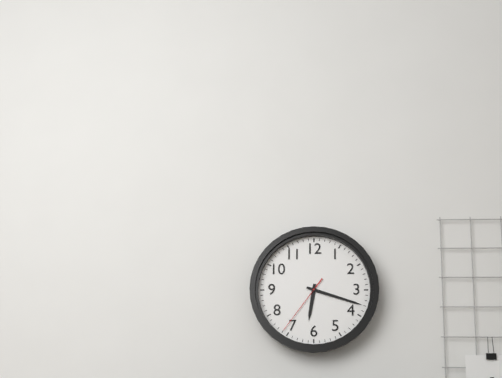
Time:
h=6 m=18 s=36
